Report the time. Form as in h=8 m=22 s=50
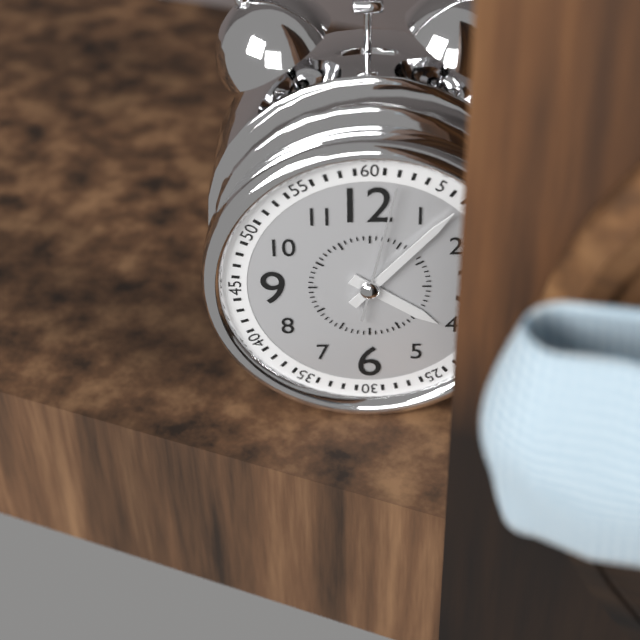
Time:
h=4 m=7 s=2
